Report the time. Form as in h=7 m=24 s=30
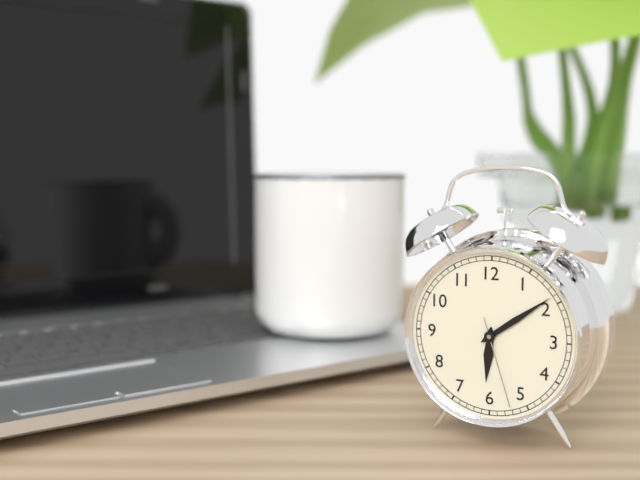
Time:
h=6 m=9 s=27
